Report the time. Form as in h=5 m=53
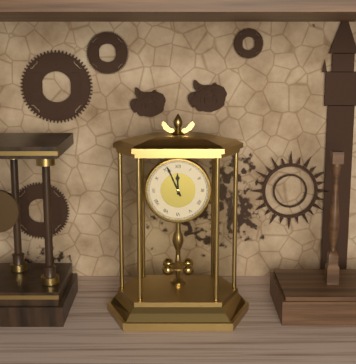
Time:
h=11 m=56
